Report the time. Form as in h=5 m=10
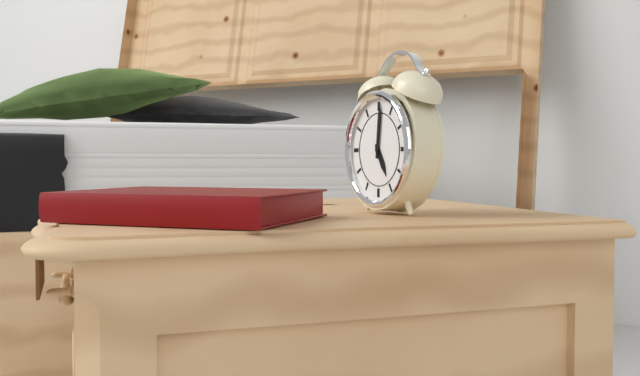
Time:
h=5 m=1
